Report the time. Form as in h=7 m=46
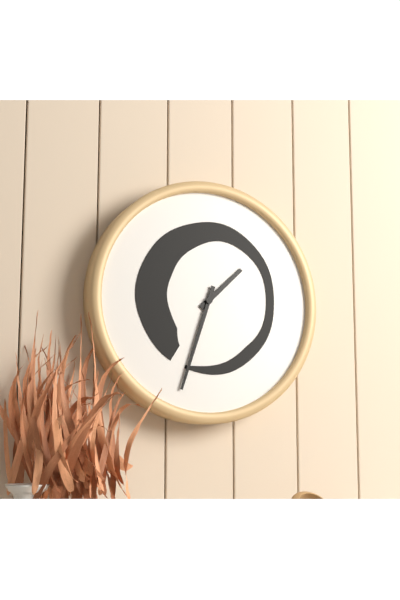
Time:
h=1 m=33
